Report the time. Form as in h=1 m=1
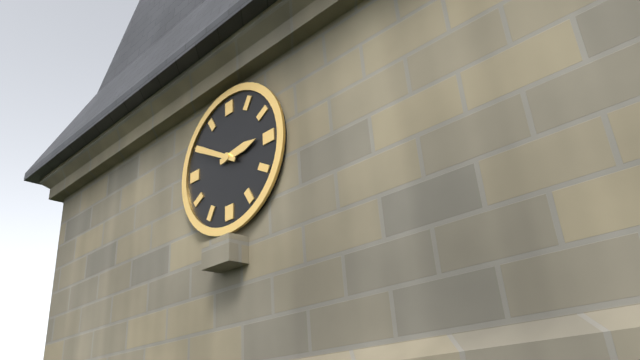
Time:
h=2 m=50
